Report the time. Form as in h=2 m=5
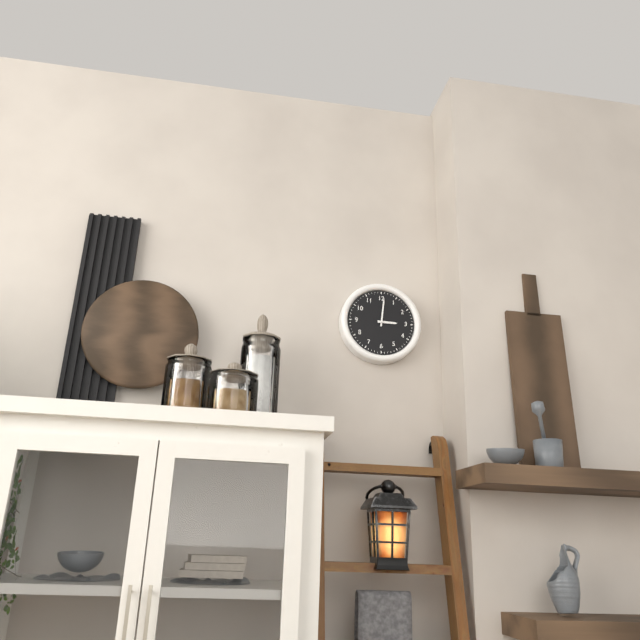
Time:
h=3 m=1
